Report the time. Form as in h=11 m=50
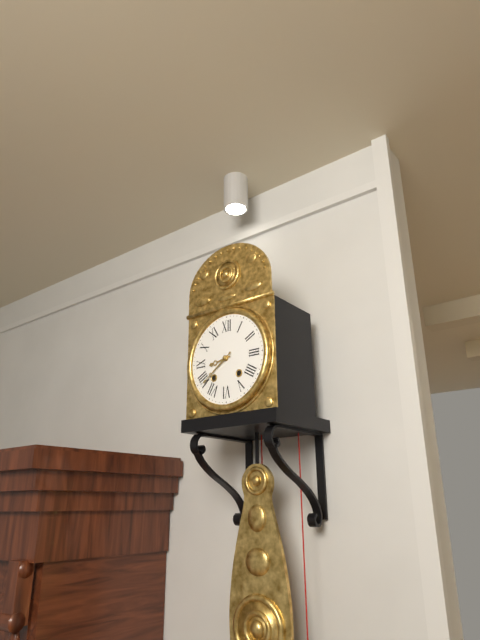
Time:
h=8 m=39
